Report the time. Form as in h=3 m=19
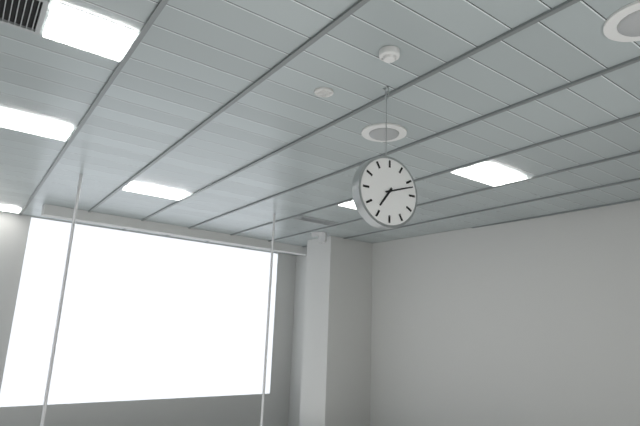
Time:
h=7 m=12
